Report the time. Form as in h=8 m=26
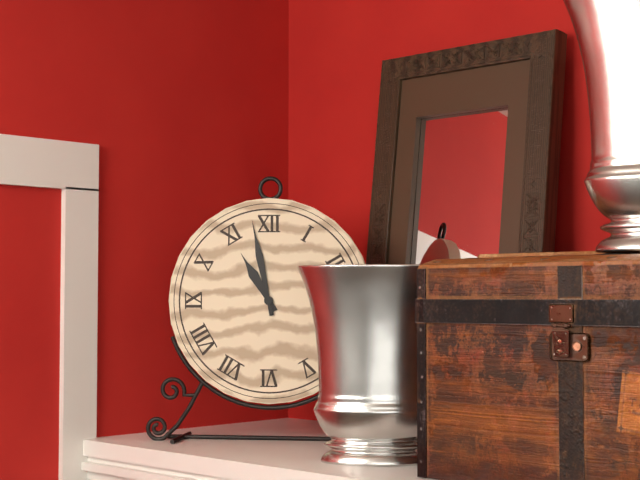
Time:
h=10 m=58
